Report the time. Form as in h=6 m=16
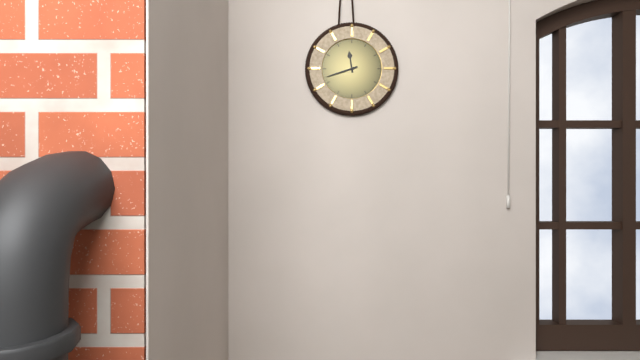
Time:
h=11 m=42
